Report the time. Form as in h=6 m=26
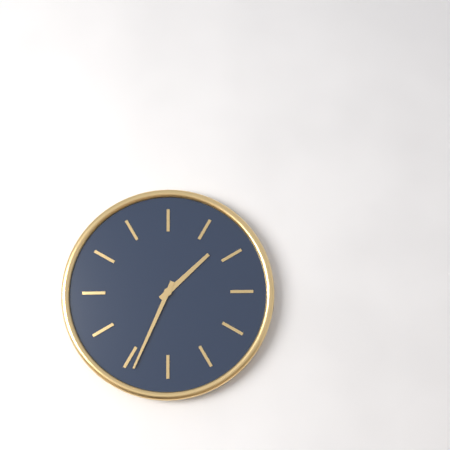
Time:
h=1 m=34
